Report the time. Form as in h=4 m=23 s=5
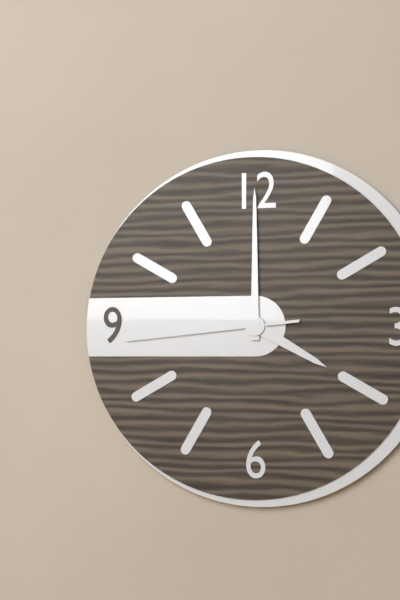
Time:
h=4 m=0 s=44
